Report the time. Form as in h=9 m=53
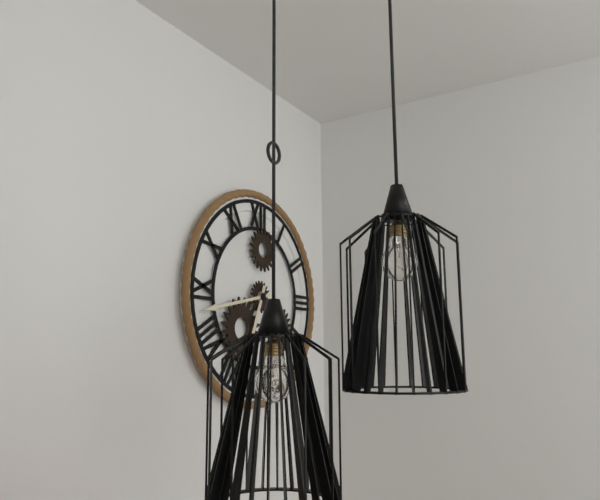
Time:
h=6 m=43
